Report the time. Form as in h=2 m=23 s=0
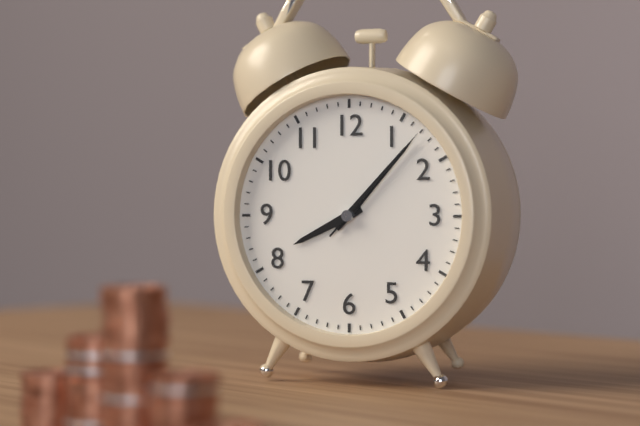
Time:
h=8 m=7 s=7
